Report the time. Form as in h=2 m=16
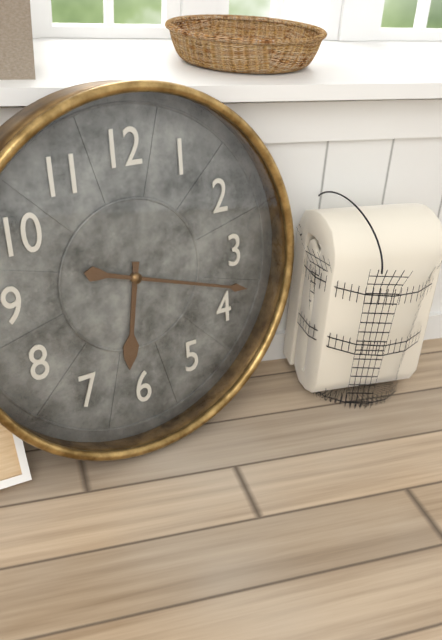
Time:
h=6 m=18
